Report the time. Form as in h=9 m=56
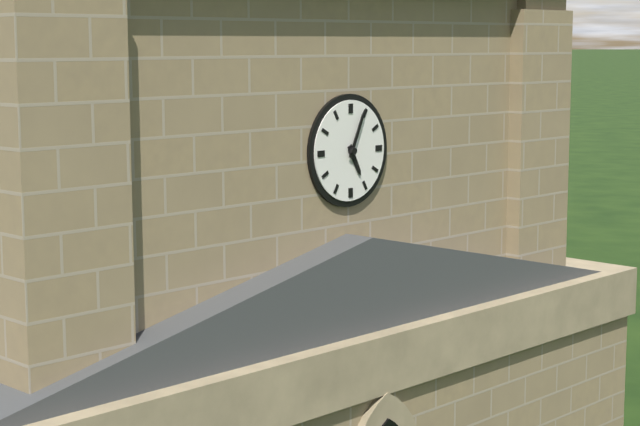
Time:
h=5 m=4
